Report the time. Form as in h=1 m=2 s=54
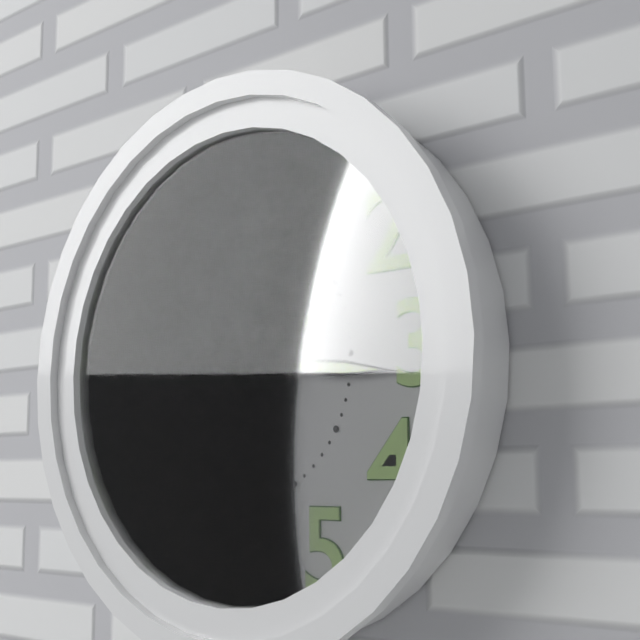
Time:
h=2 m=16 s=44
